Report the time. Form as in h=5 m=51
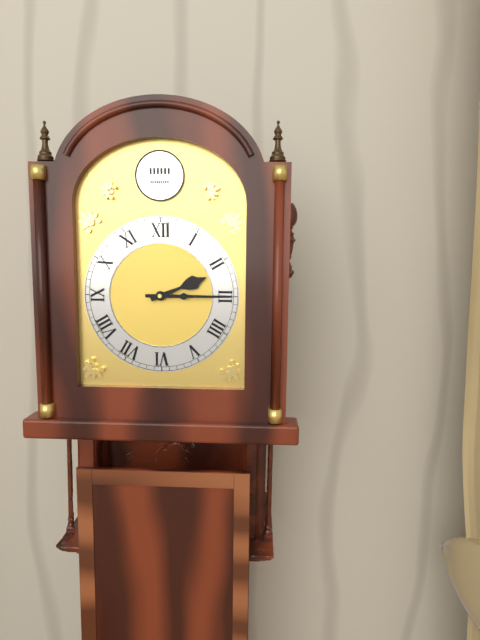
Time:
h=2 m=15
